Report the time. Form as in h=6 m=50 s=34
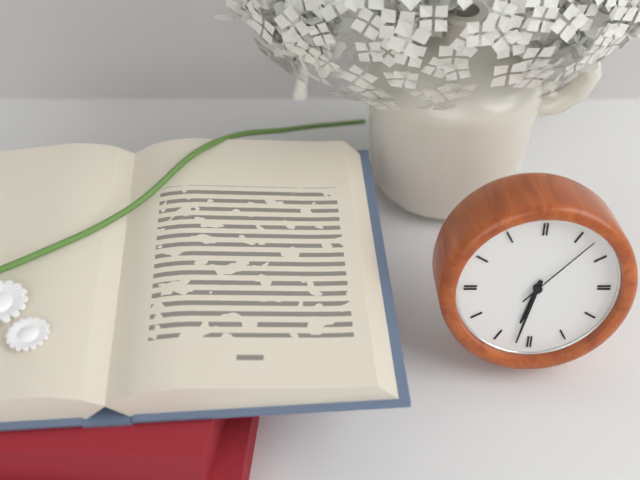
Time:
h=6 m=32 s=7
